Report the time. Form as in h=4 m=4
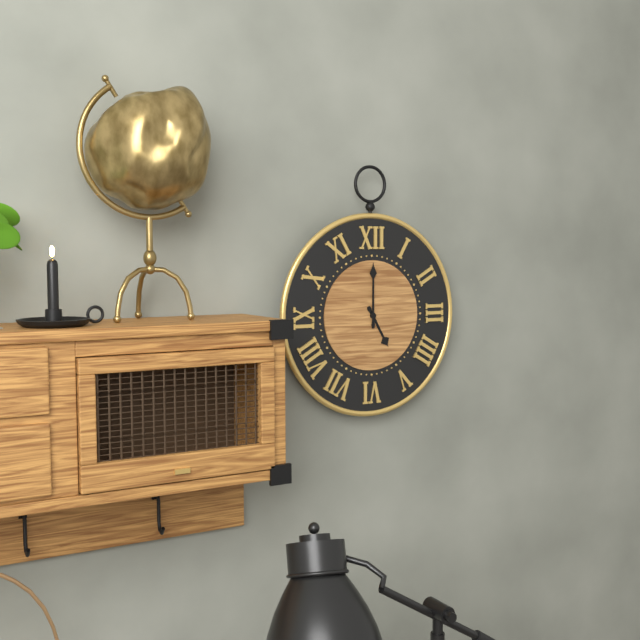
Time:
h=5 m=0
